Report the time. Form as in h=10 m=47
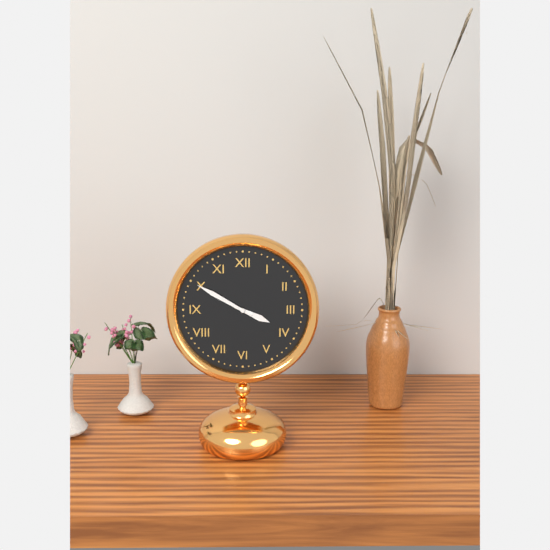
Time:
h=3 m=50
